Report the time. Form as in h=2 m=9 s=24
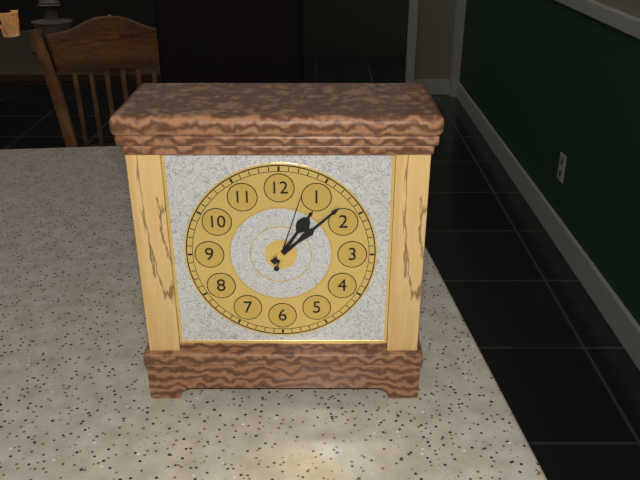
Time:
h=1 m=8 s=3
